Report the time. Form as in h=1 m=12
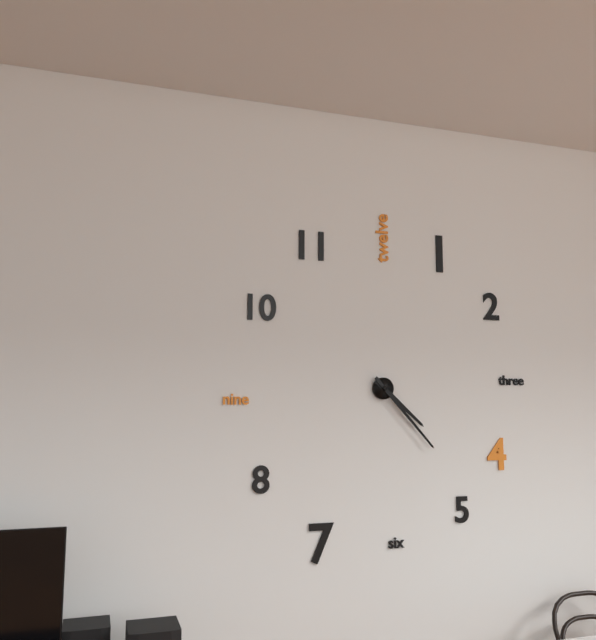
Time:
h=4 m=23
